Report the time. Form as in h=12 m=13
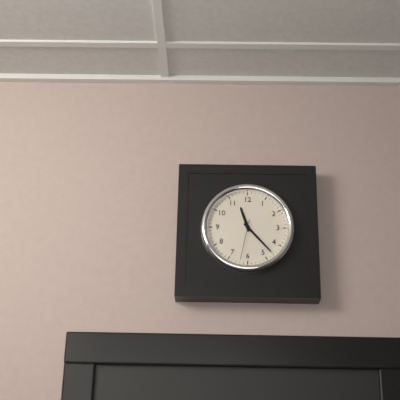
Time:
h=11 m=23
